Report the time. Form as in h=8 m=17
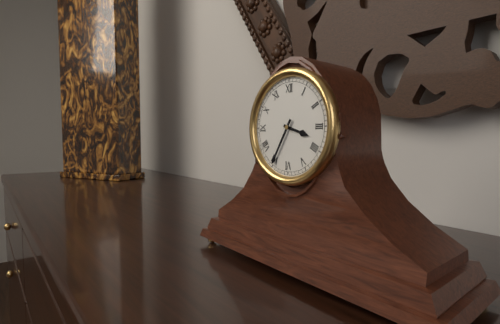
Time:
h=3 m=35
